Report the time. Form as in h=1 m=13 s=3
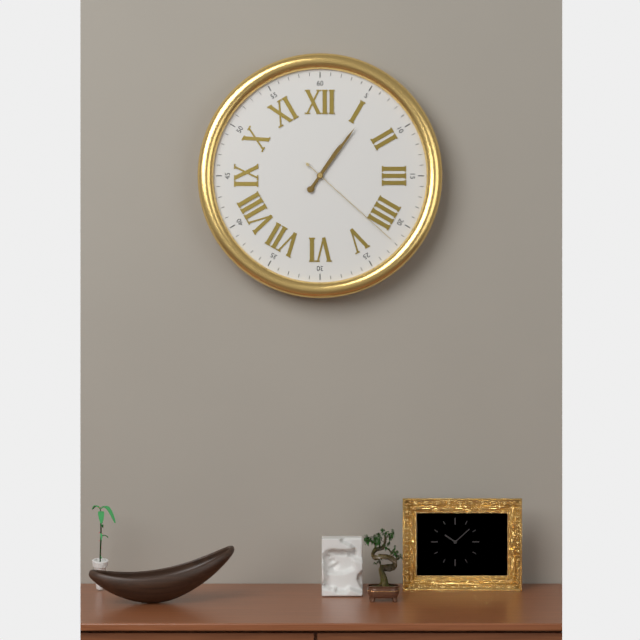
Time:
h=1 m=6 s=22
